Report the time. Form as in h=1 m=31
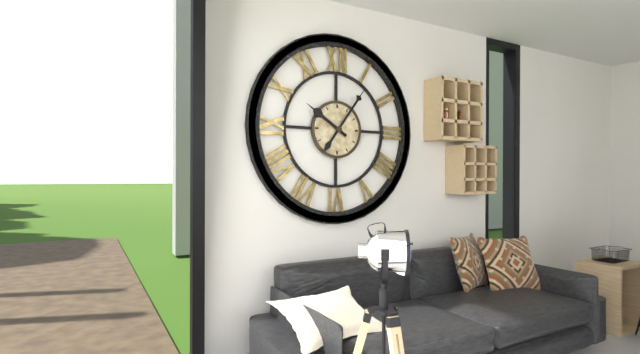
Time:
h=10 m=6
